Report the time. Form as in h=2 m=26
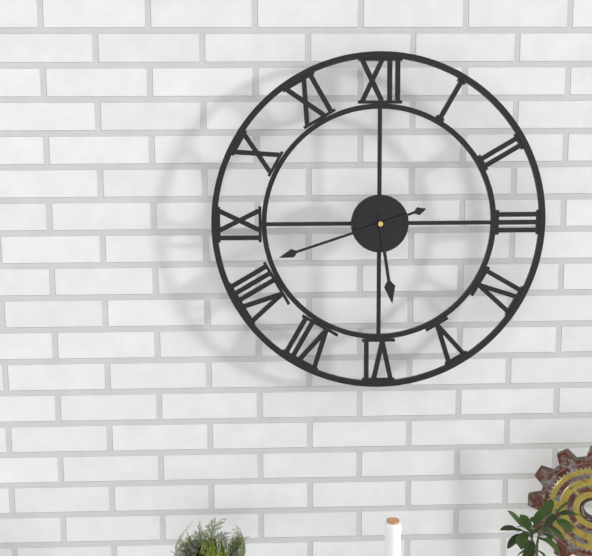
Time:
h=5 m=42
